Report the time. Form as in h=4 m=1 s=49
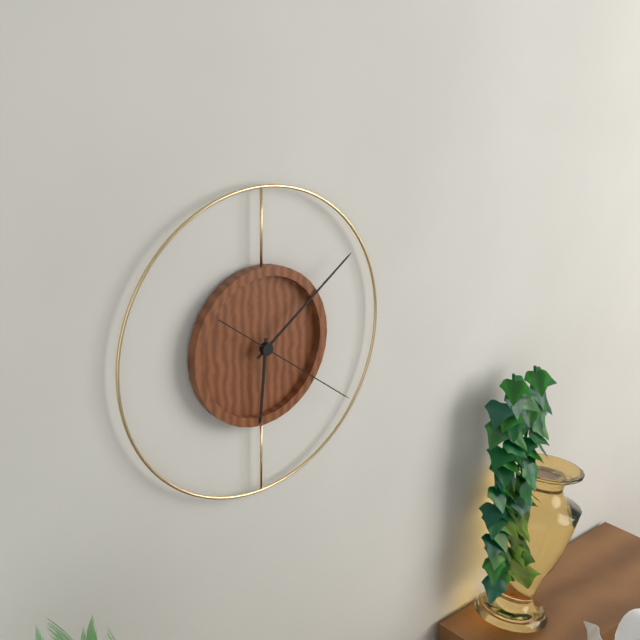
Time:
h=6 m=9 s=21
